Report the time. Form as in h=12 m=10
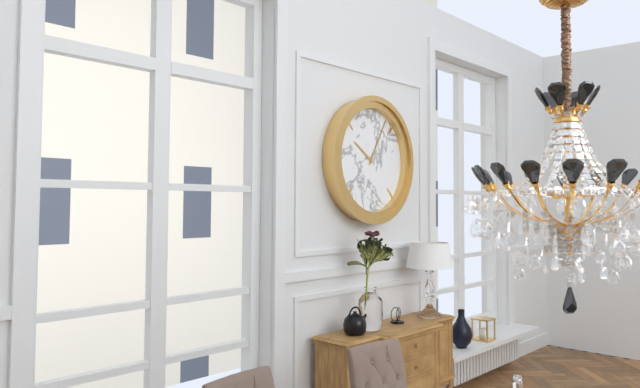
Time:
h=10 m=5
